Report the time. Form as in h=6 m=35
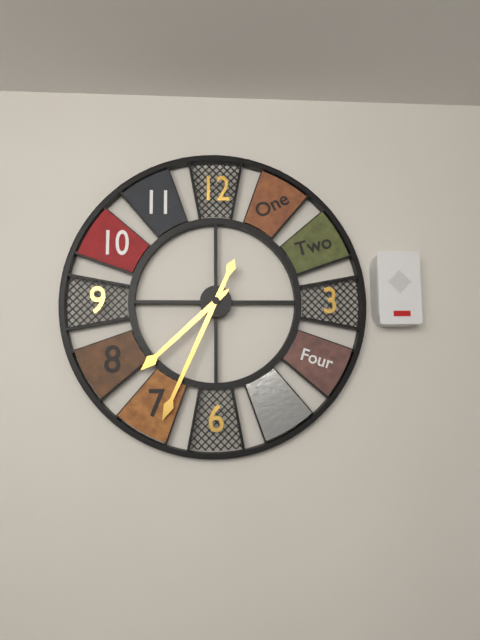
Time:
h=7 m=34
